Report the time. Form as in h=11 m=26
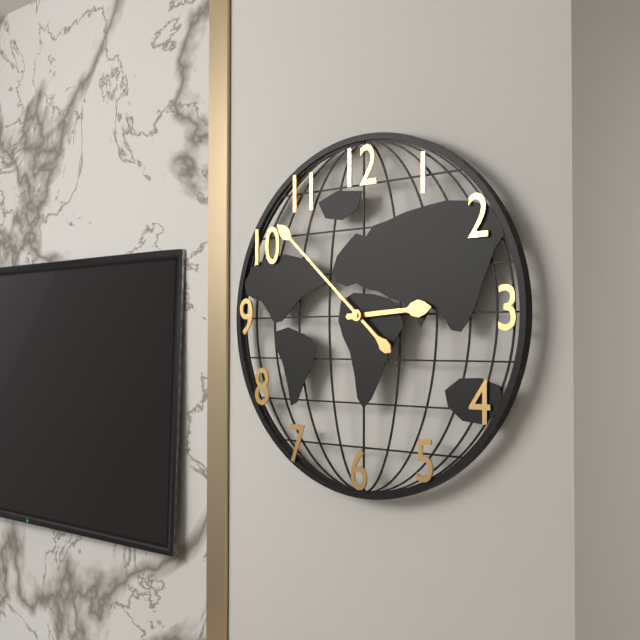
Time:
h=2 m=52
